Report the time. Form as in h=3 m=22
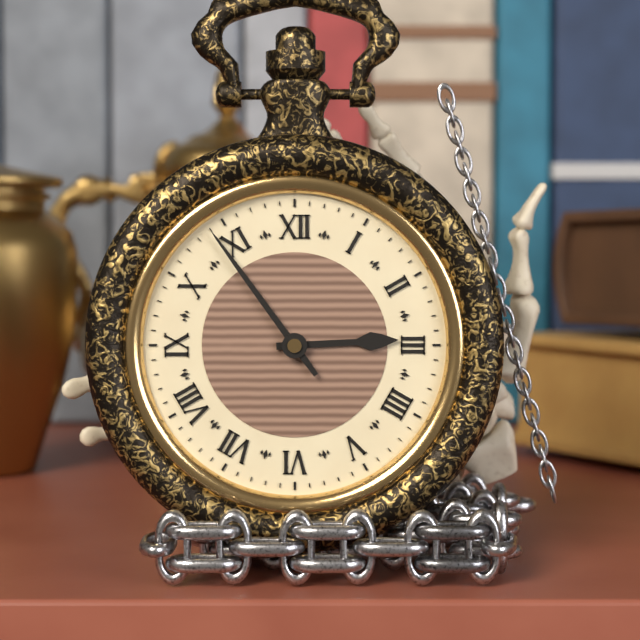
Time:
h=2 m=54
